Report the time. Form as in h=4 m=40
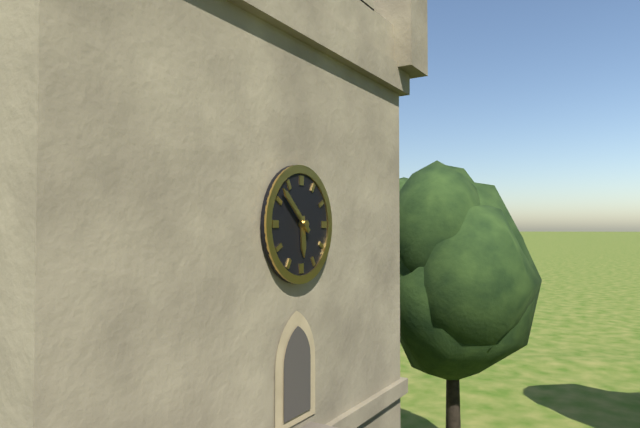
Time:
h=5 m=52
